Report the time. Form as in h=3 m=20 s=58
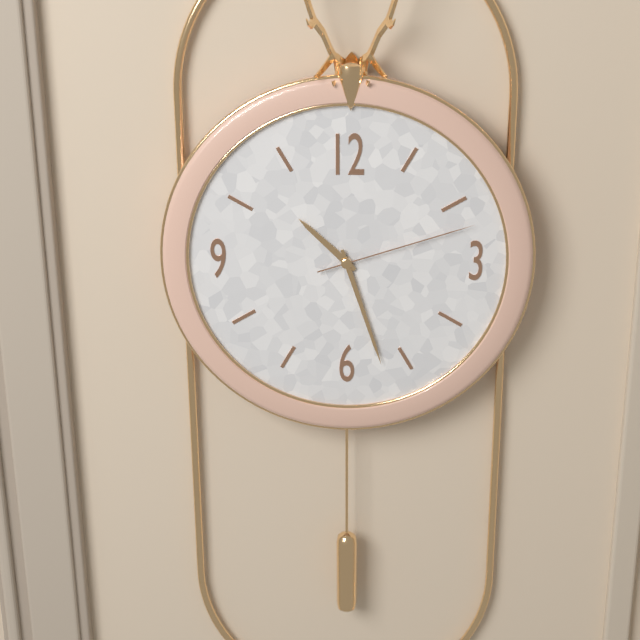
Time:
h=10 m=27 s=12
